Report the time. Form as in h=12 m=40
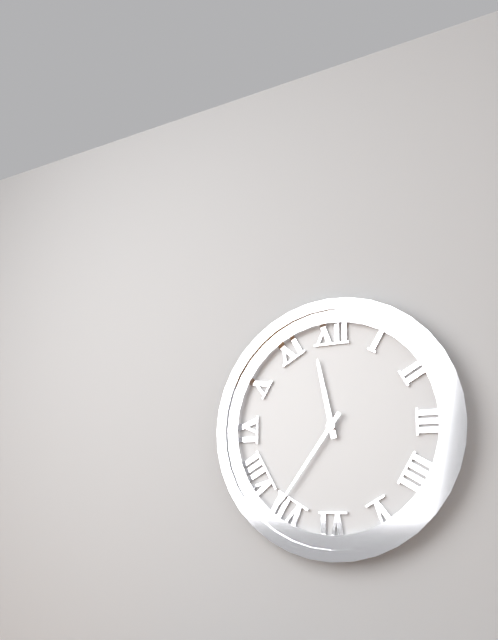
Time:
h=11 m=36
